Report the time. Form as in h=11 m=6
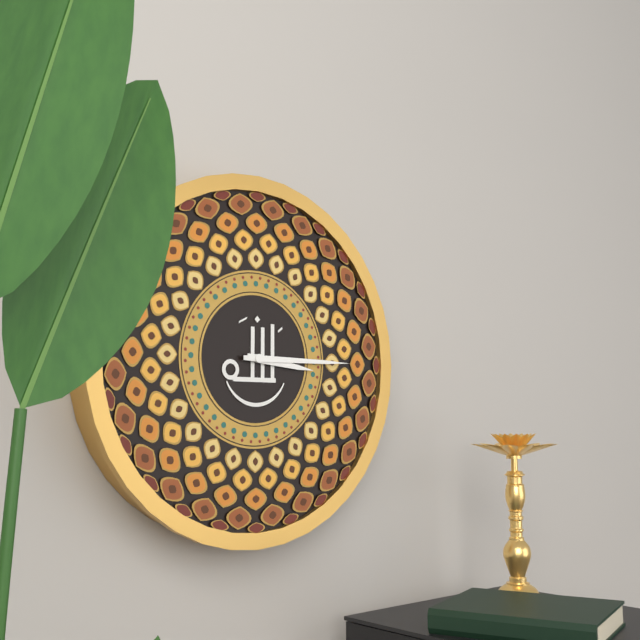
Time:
h=3 m=15
